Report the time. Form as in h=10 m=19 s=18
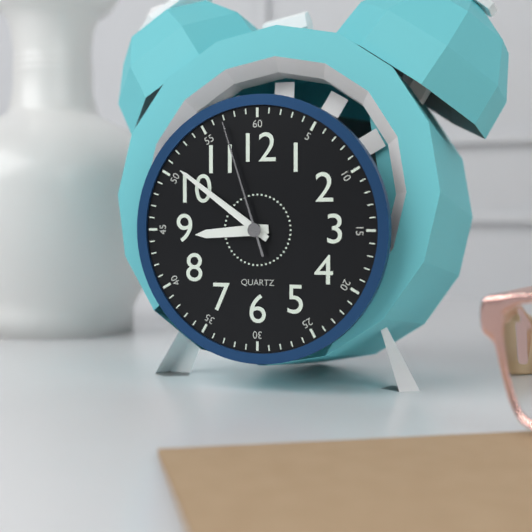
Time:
h=8 m=51 s=57
